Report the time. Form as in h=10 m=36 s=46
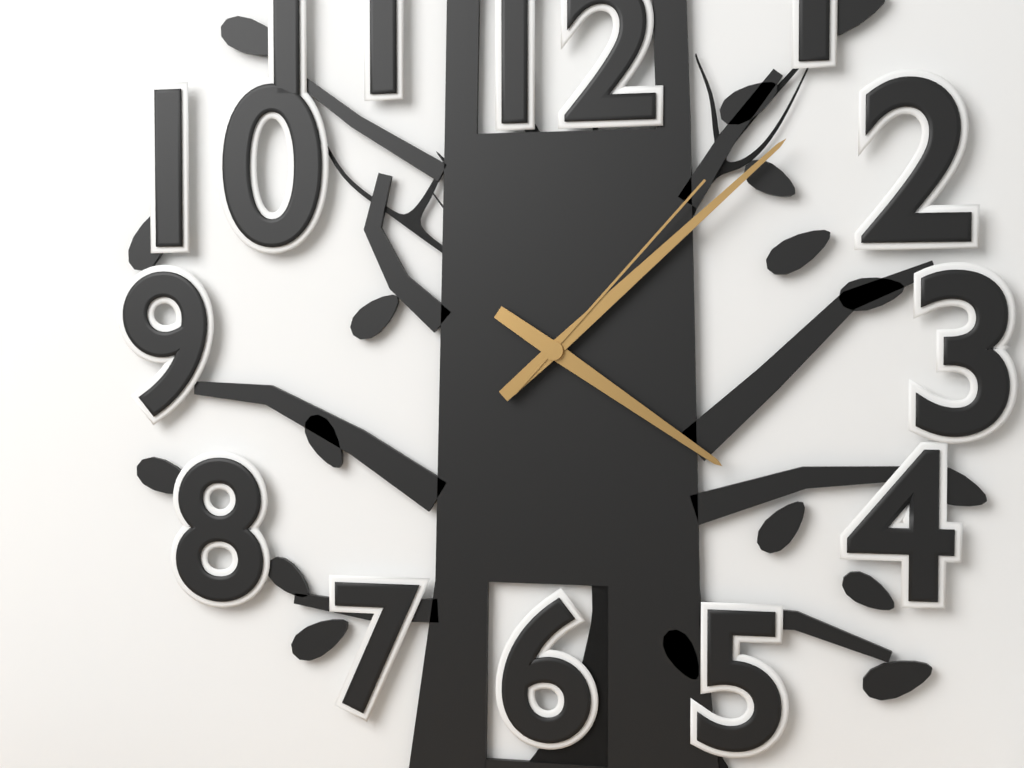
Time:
h=4 m=8 s=7
